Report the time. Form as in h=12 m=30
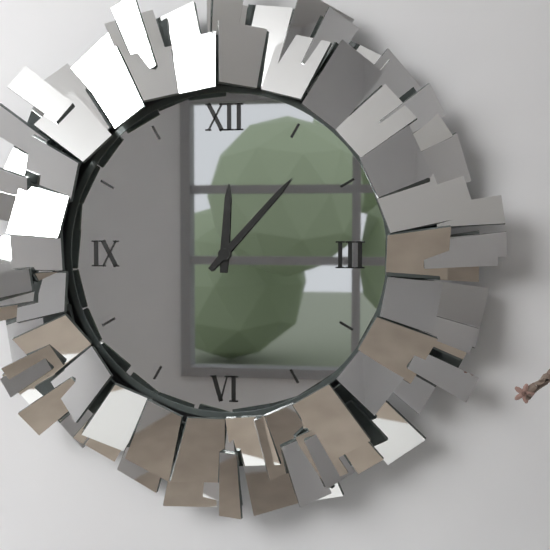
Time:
h=12 m=7
